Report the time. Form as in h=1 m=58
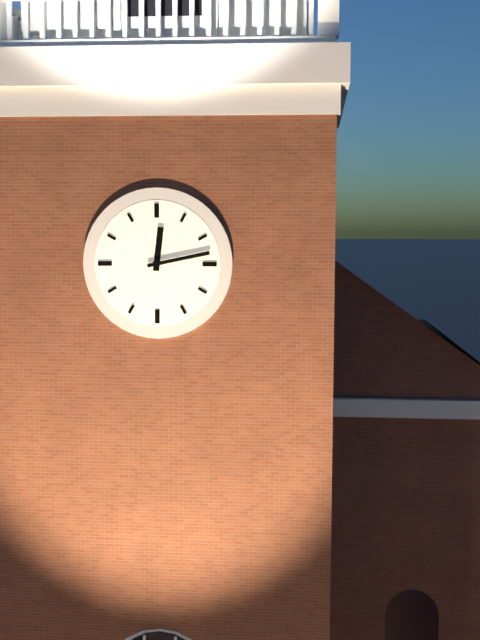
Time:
h=12 m=13
